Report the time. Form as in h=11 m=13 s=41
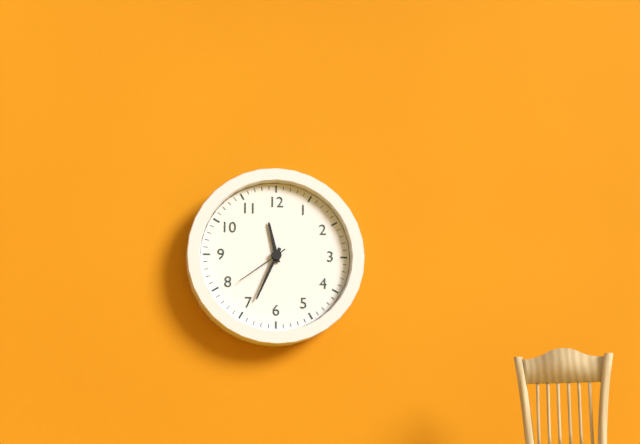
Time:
h=11 m=34 s=39
